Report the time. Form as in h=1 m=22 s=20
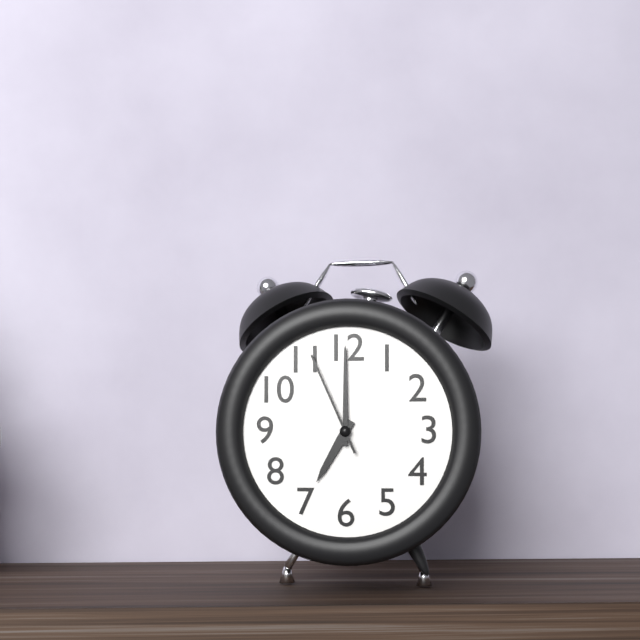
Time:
h=7 m=0 s=56
